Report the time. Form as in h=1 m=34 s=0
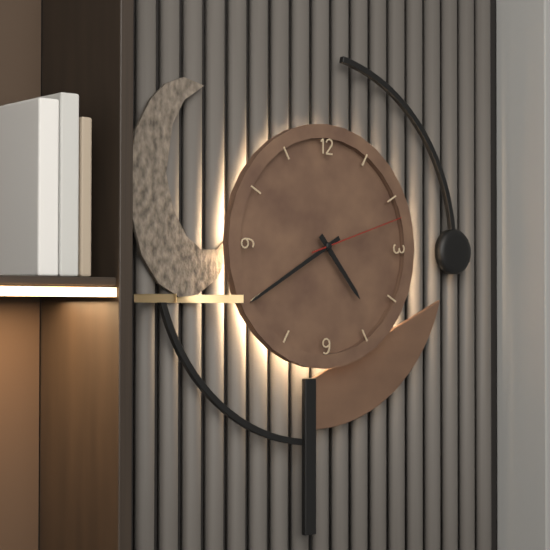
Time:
h=4 m=40 s=12
